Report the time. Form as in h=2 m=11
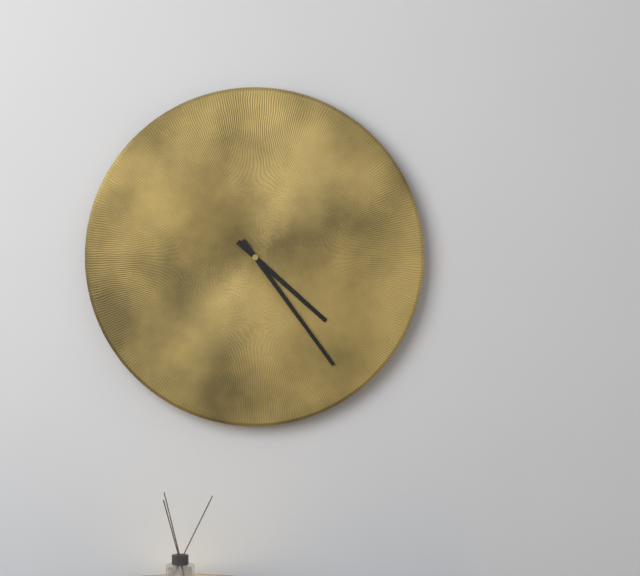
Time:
h=4 m=24
